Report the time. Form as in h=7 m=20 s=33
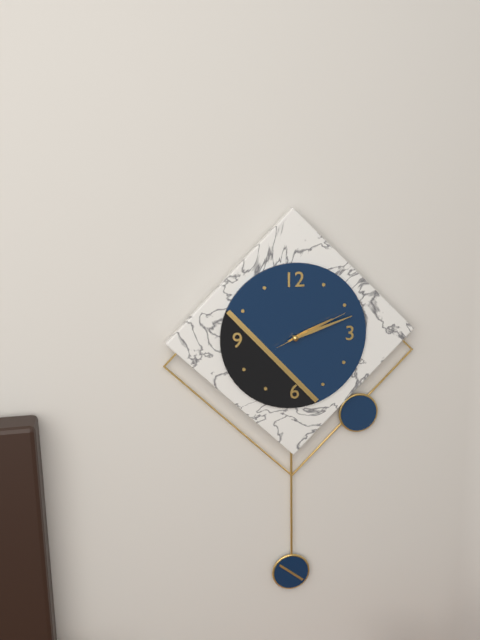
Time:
h=2 m=12 s=11
